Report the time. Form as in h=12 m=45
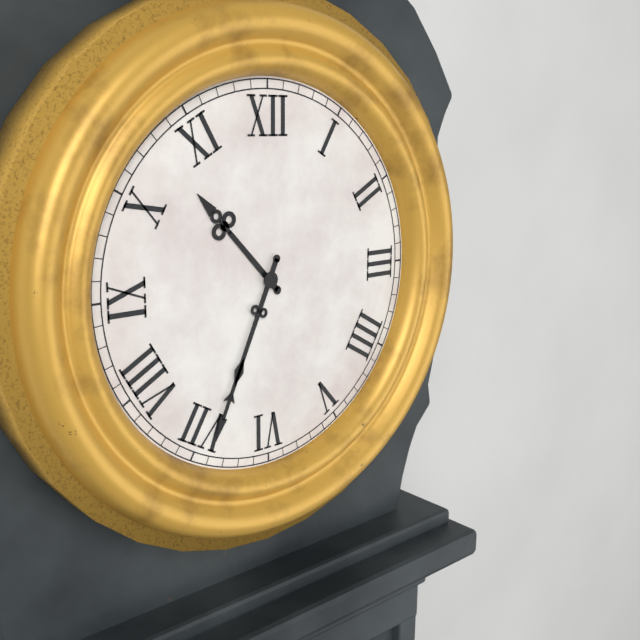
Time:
h=10 m=34
